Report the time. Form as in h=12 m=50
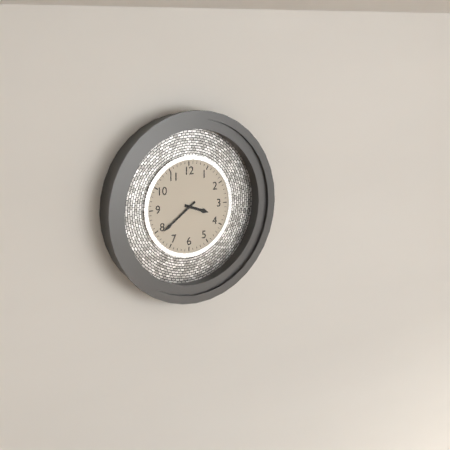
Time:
h=3 m=39
